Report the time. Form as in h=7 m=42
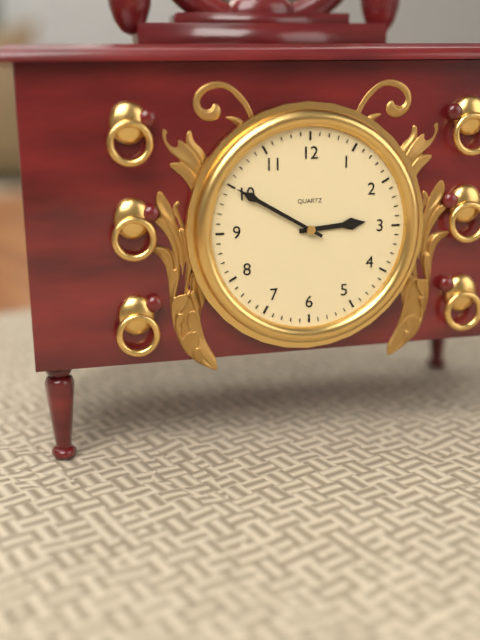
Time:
h=2 m=50
